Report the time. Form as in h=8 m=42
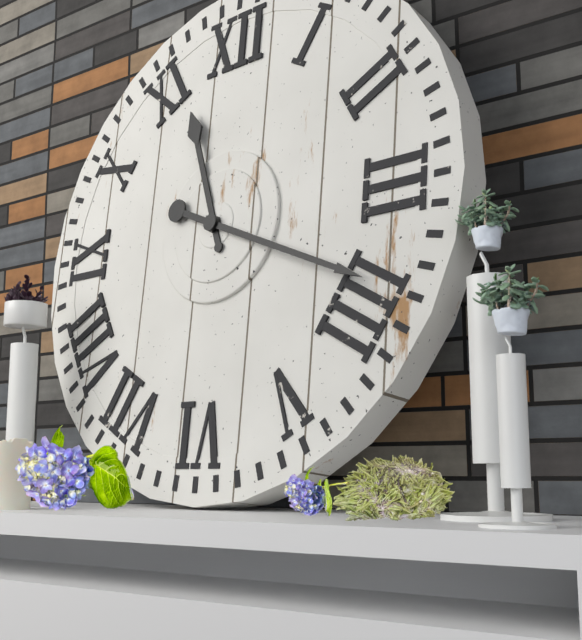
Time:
h=11 m=19
